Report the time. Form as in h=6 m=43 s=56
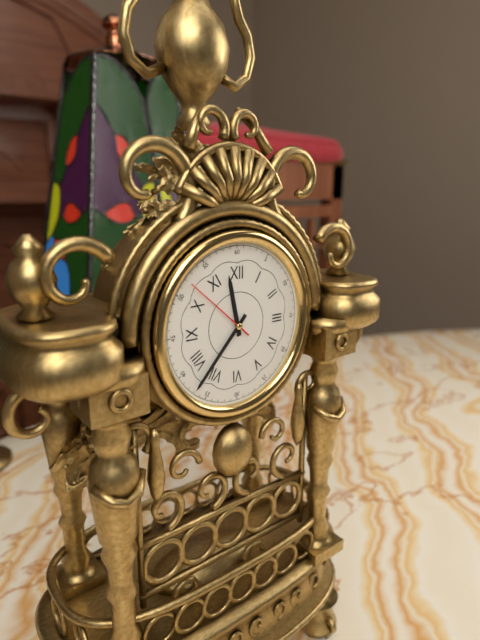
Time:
h=11 m=37 s=52
